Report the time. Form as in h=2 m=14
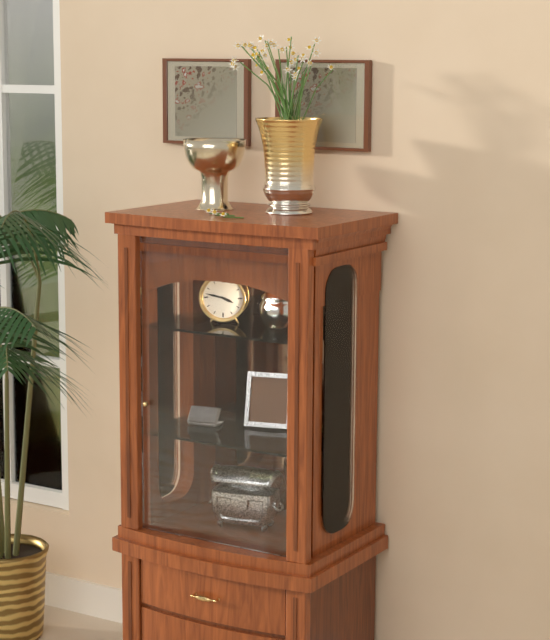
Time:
h=3 m=47
